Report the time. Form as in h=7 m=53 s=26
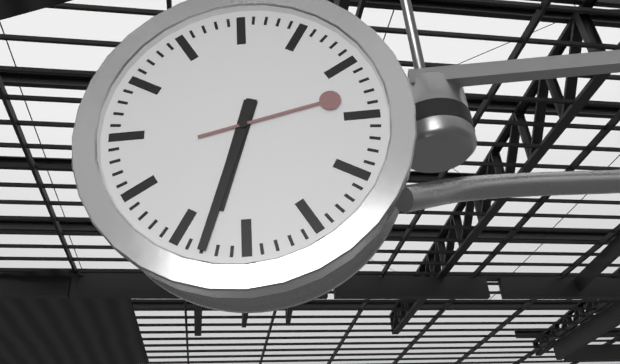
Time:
h=6 m=33 s=13
